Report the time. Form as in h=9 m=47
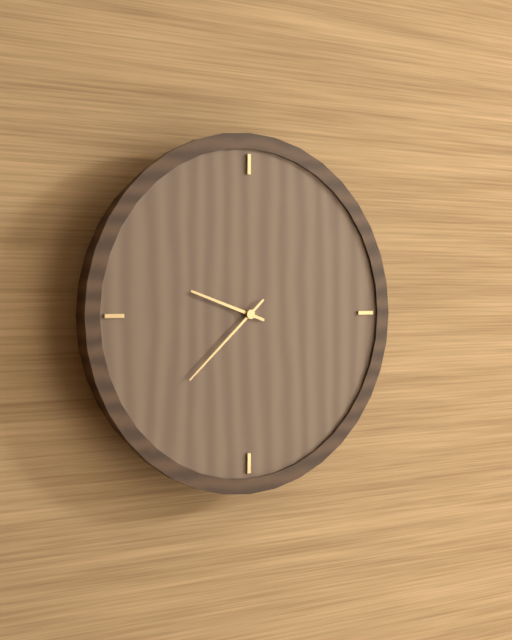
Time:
h=9 m=38
